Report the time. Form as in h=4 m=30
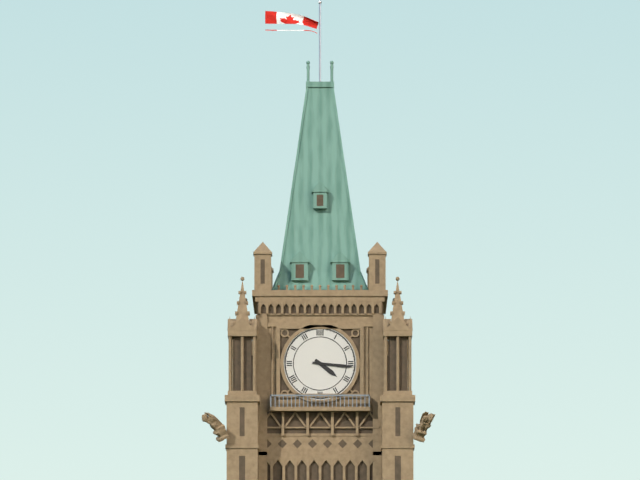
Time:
h=4 m=16
